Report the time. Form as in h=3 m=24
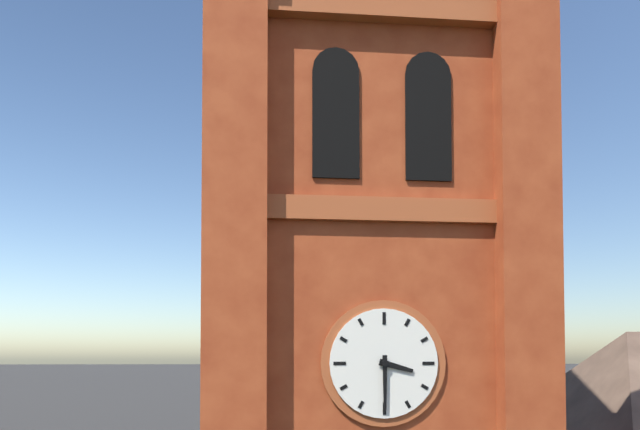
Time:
h=3 m=30
